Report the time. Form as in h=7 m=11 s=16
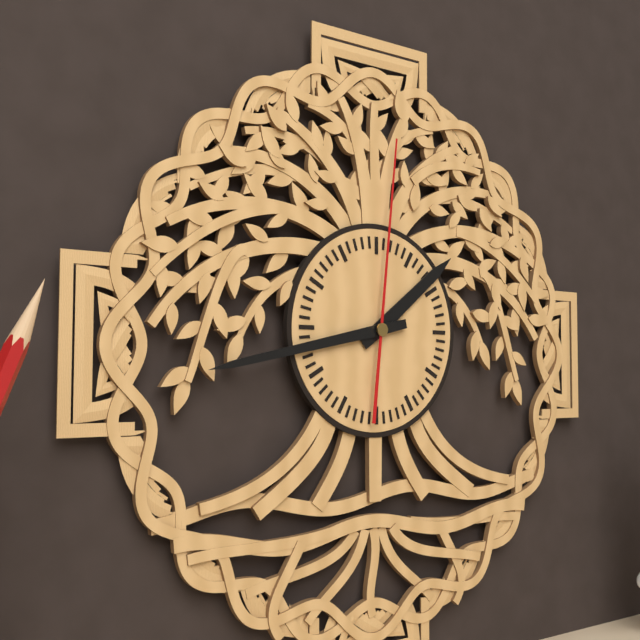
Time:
h=1 m=43 s=1
